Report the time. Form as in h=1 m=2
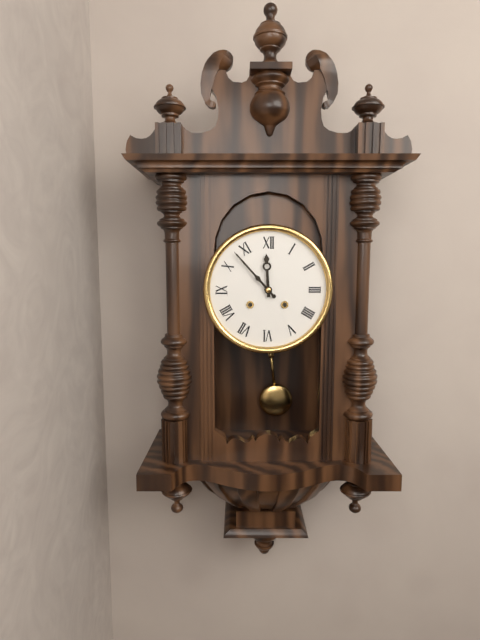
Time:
h=11 m=53
